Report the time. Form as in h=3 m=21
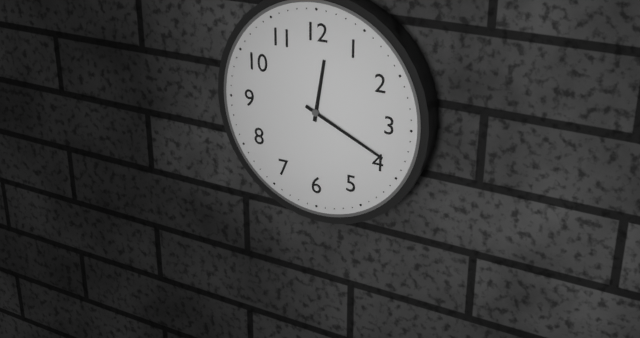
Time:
h=12 m=19
